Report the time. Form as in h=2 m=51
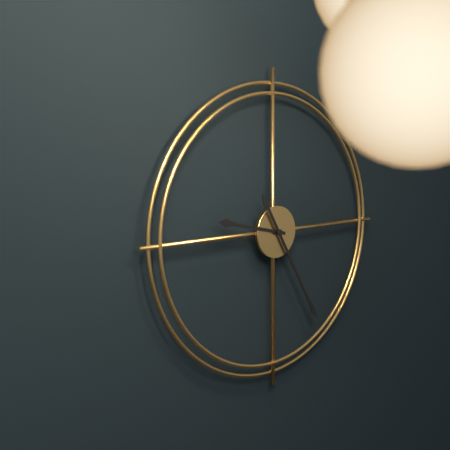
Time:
h=9 m=25
